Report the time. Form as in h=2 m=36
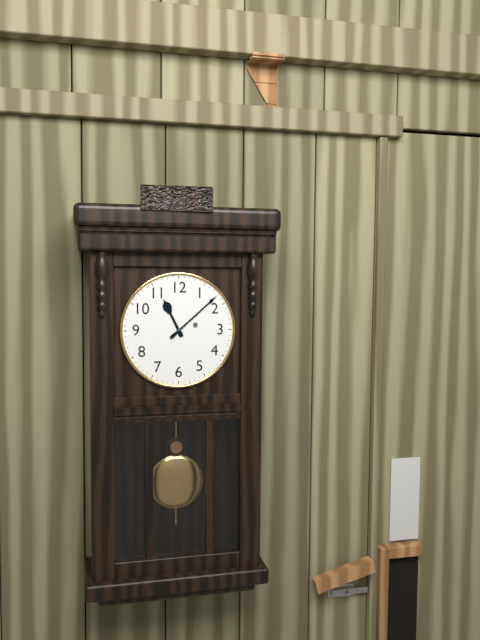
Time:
h=11 m=8
